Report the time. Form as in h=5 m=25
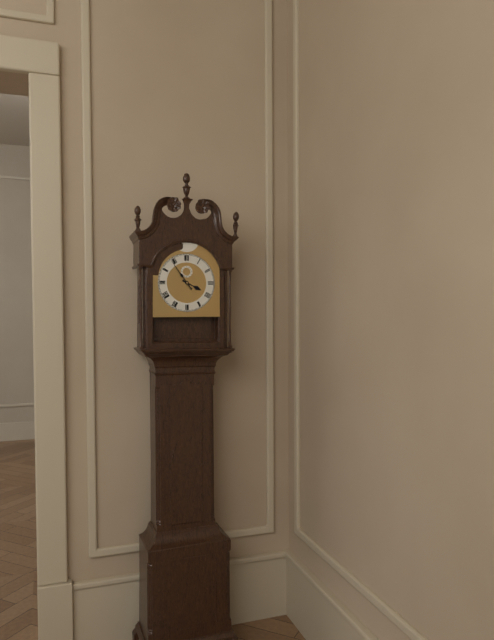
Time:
h=3 m=54
